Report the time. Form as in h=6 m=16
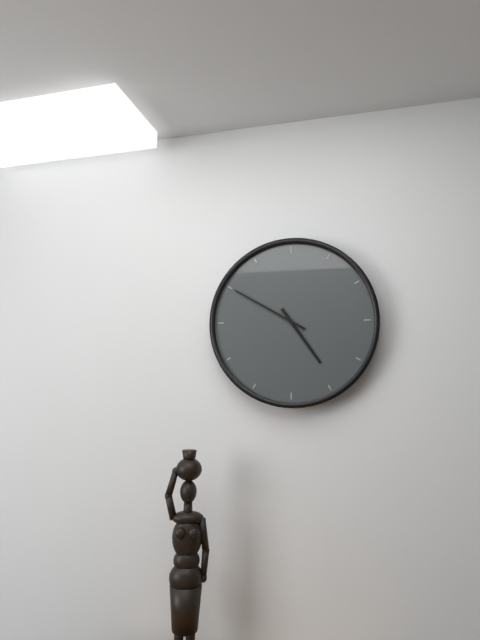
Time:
h=4 m=50
